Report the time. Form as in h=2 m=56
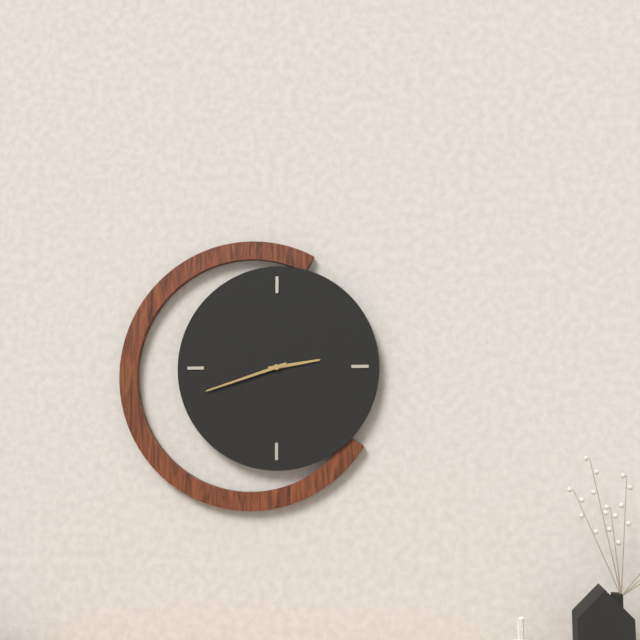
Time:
h=2 m=42
